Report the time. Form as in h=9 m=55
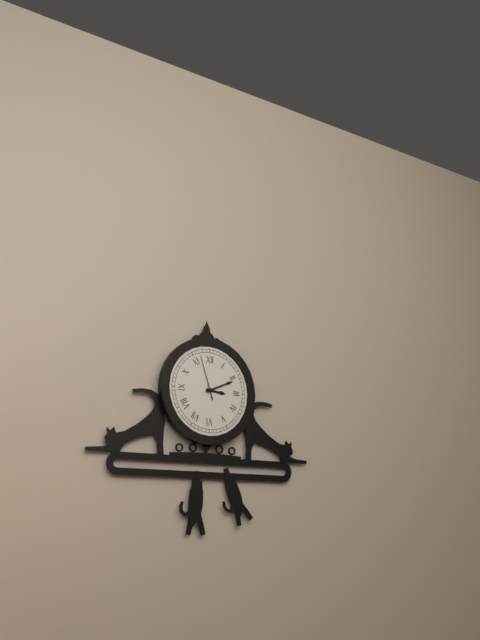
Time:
h=3 m=11
